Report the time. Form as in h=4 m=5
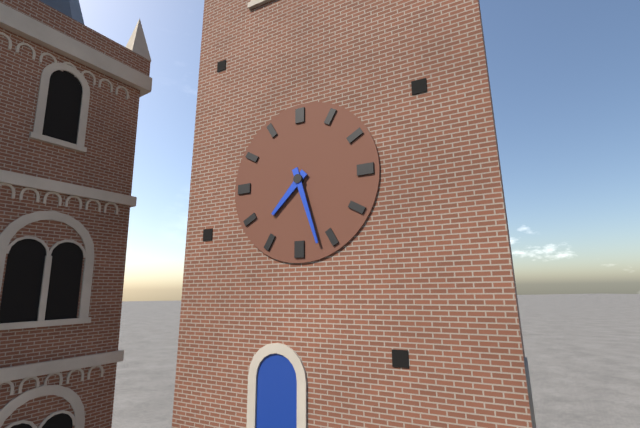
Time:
h=7 m=27
